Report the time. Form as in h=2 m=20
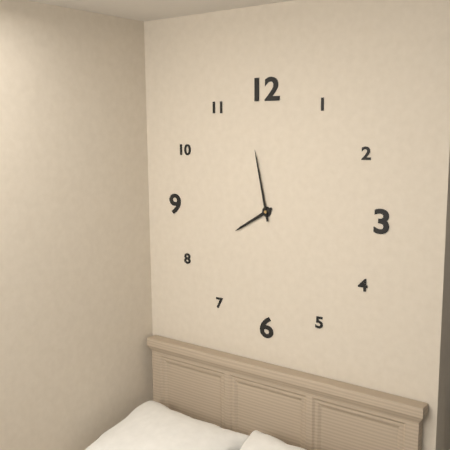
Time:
h=7 m=58
